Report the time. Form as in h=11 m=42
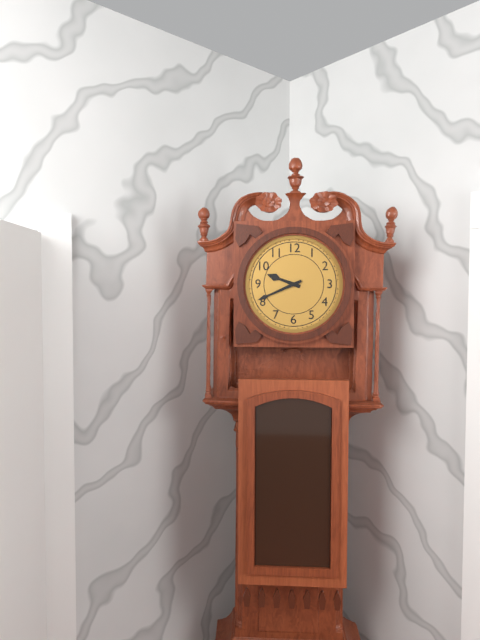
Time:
h=9 m=41
